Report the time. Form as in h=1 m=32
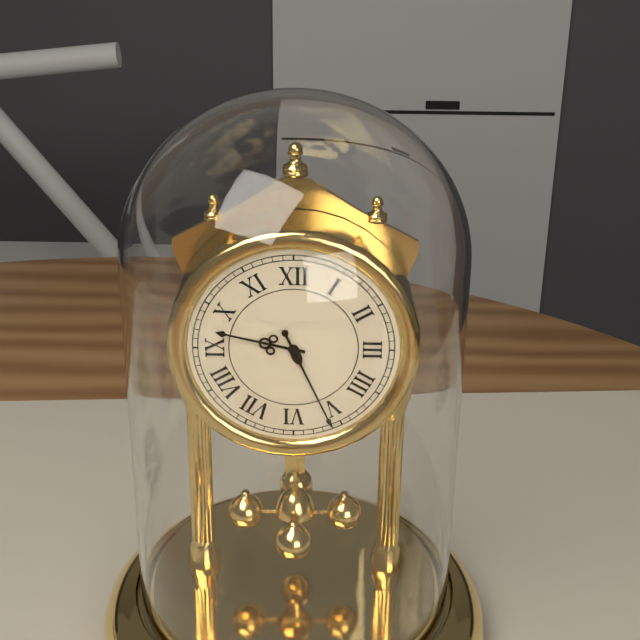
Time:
h=9 m=26
